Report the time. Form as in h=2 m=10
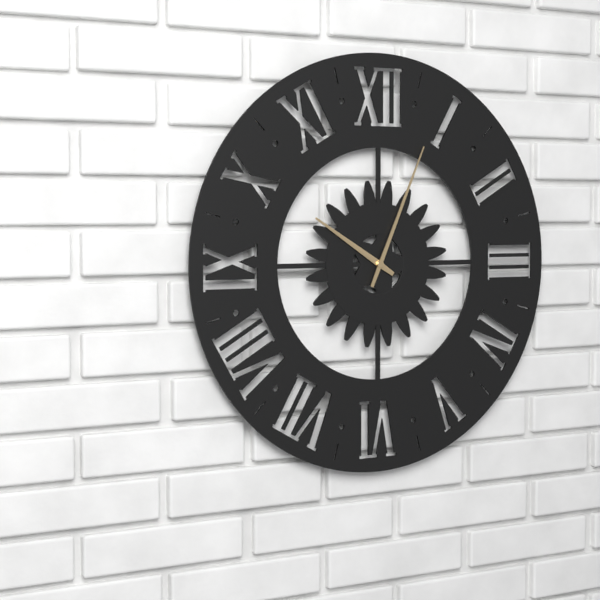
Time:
h=10 m=4
